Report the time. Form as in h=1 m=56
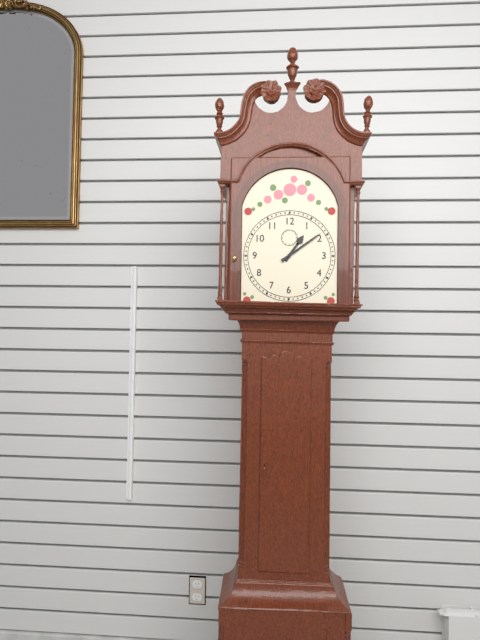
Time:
h=1 m=9
